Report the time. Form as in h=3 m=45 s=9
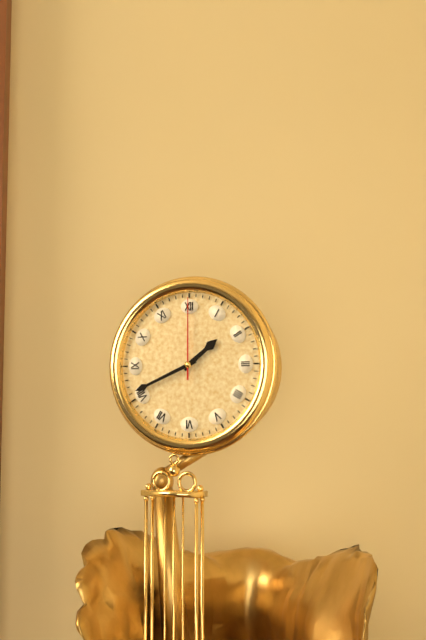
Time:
h=1 m=41 s=0
